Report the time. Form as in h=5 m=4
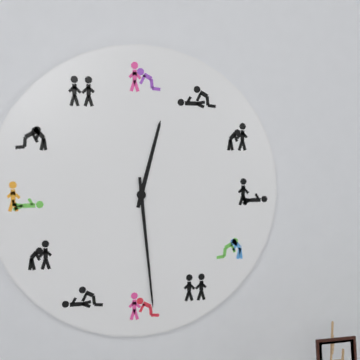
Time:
h=12 m=29
